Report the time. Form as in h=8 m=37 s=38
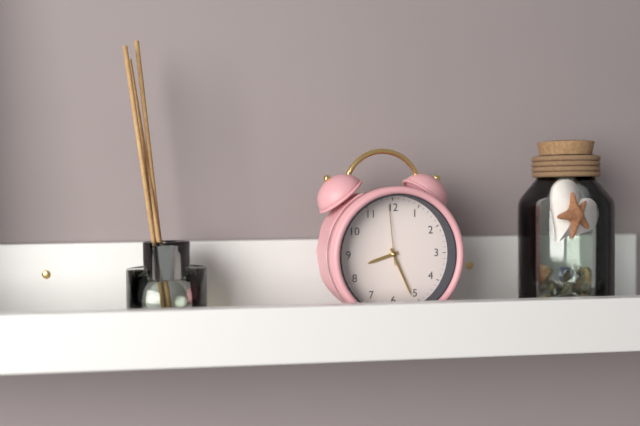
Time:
h=8 m=26 s=59
